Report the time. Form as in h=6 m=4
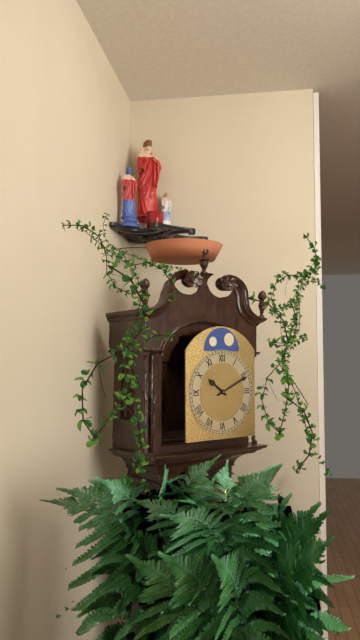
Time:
h=10 m=11
